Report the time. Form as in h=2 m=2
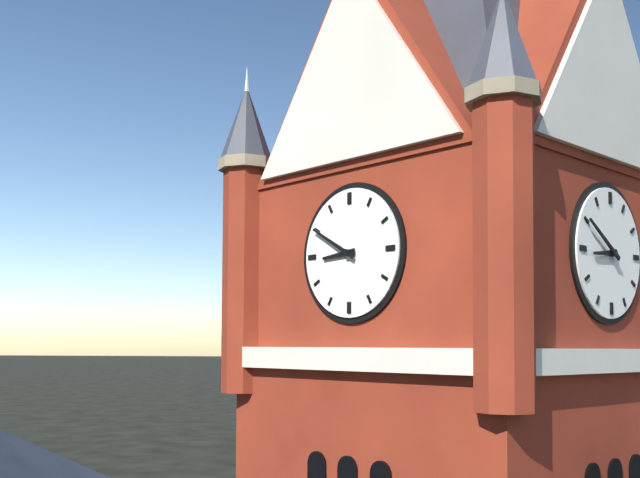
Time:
h=8 m=50
